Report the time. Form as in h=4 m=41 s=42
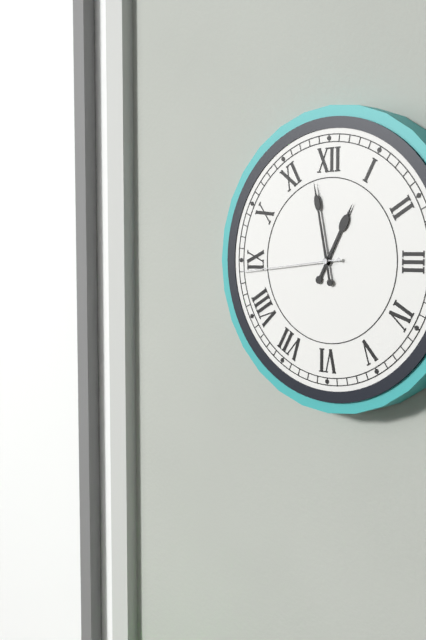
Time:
h=12 m=58 s=44
